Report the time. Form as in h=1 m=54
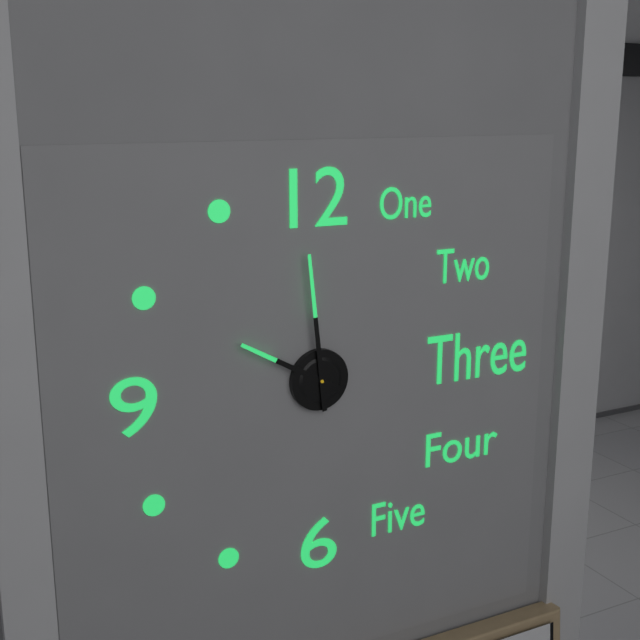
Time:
h=9 m=59
